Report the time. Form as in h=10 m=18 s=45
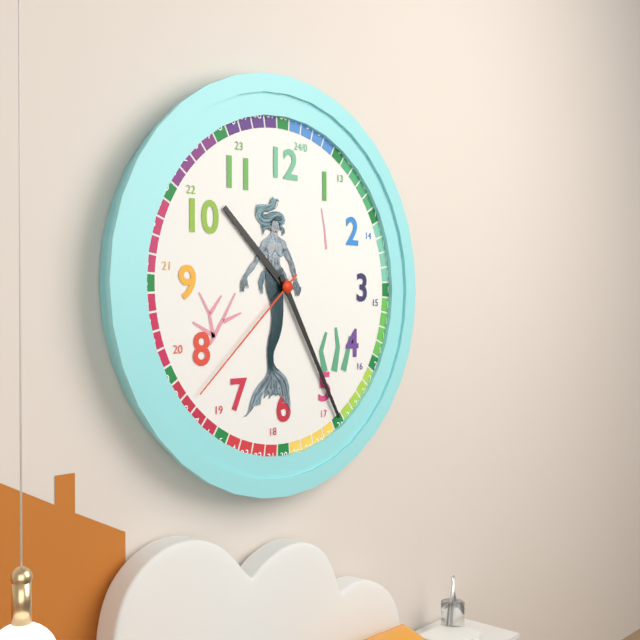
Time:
h=10 m=25 s=38
